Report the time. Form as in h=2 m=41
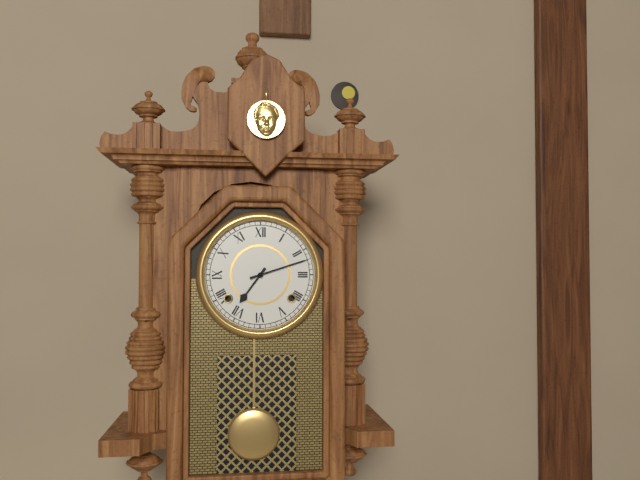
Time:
h=7 m=12
